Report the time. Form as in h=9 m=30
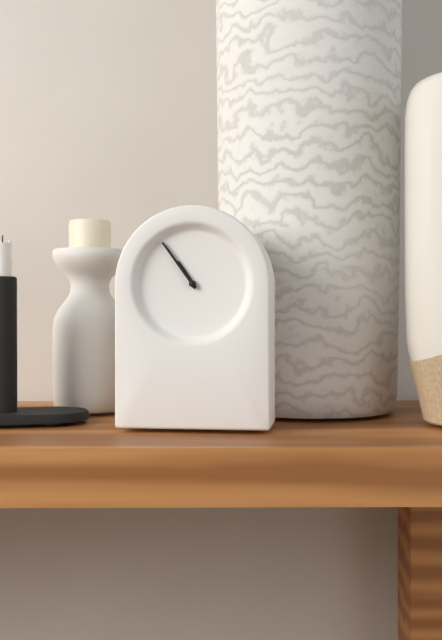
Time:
h=10 m=54
